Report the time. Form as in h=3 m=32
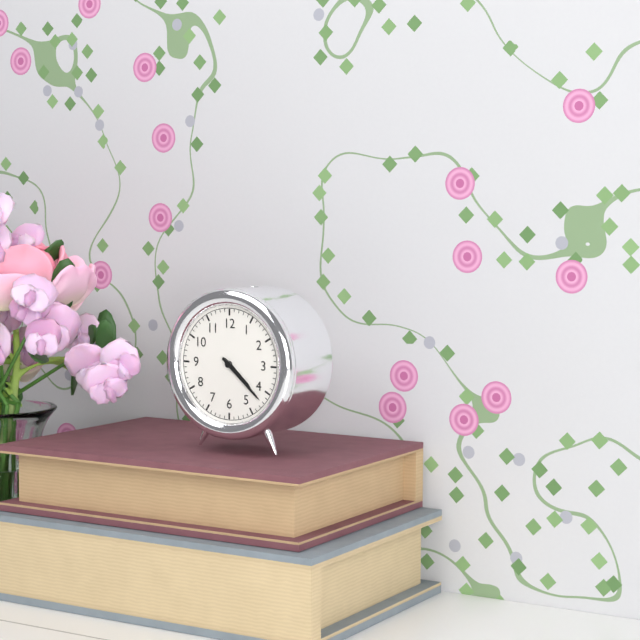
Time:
h=4 m=22
